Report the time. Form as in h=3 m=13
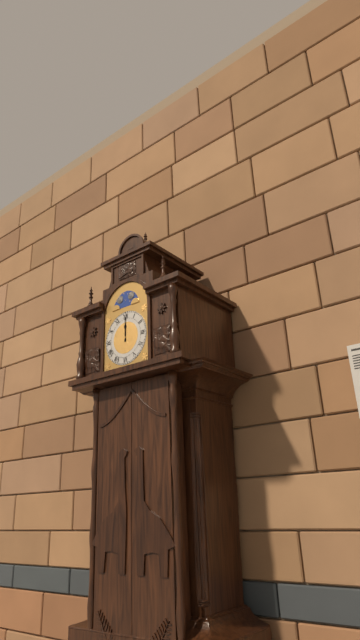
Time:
h=12 m=0
